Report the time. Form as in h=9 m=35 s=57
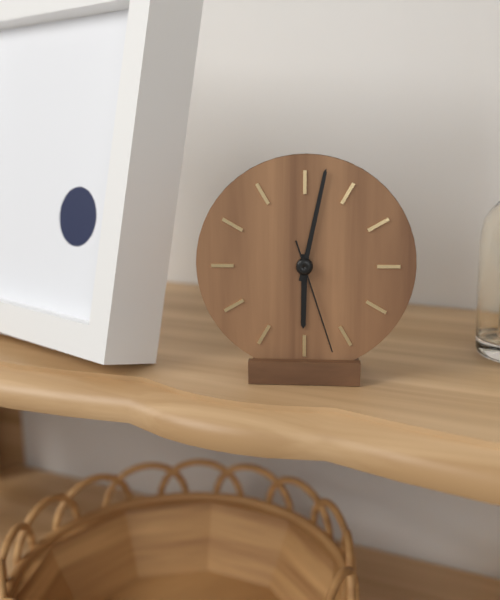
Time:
h=6 m=2 s=27
